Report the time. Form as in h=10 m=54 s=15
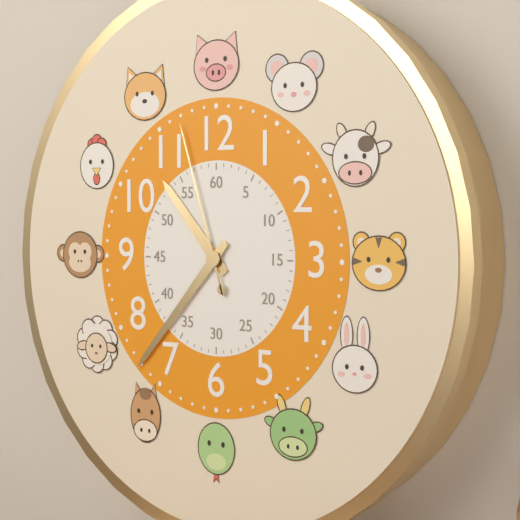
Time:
h=10 m=37 s=57
